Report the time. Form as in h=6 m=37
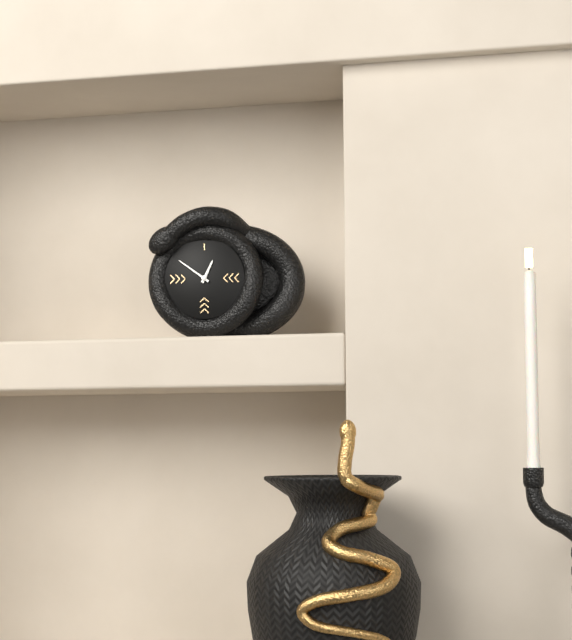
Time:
h=12 m=51
